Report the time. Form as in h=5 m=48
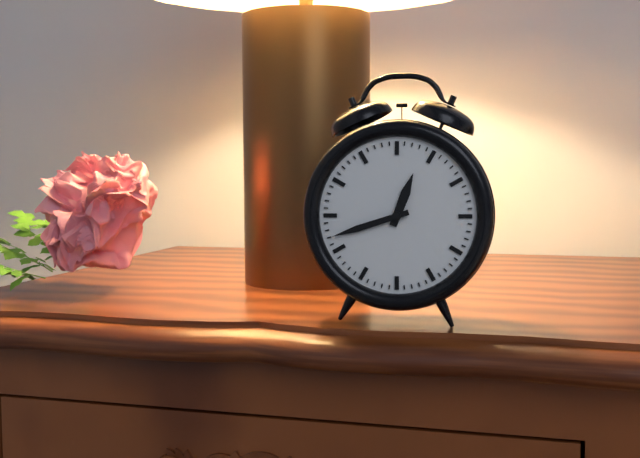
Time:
h=12 m=42
